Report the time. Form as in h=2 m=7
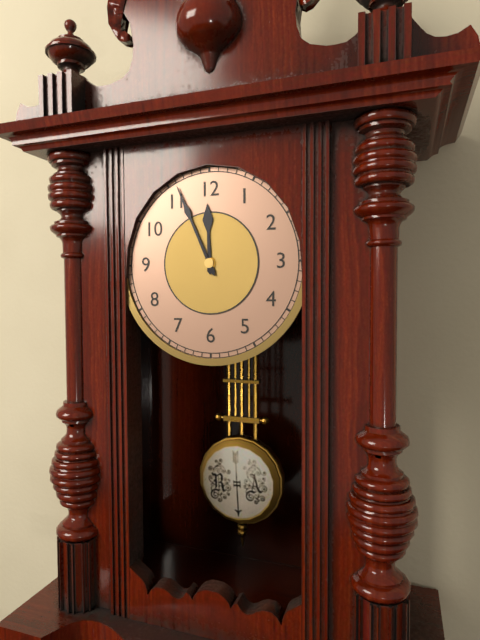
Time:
h=11 m=56
